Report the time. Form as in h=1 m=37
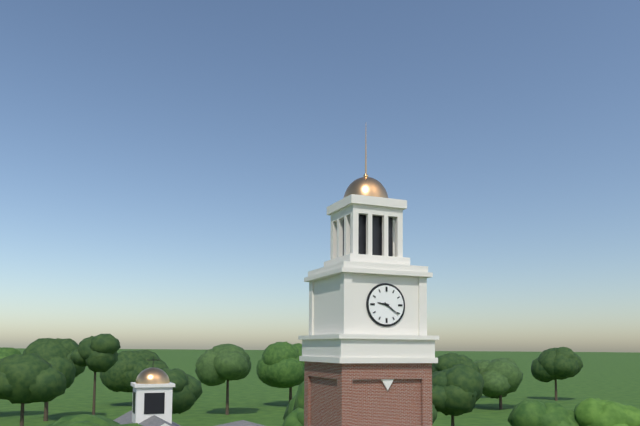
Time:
h=9 m=21
